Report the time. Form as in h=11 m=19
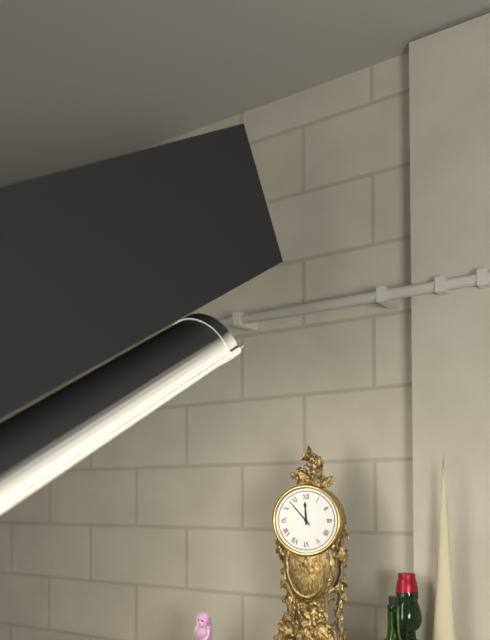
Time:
h=11 m=53
